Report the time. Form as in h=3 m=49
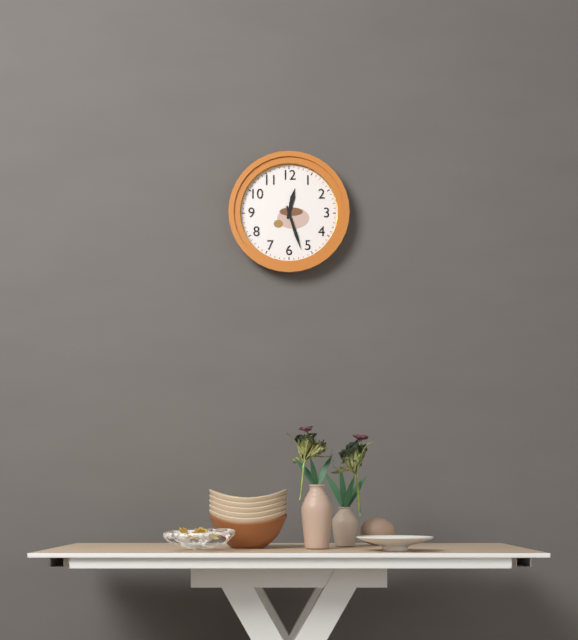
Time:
h=12 m=27
